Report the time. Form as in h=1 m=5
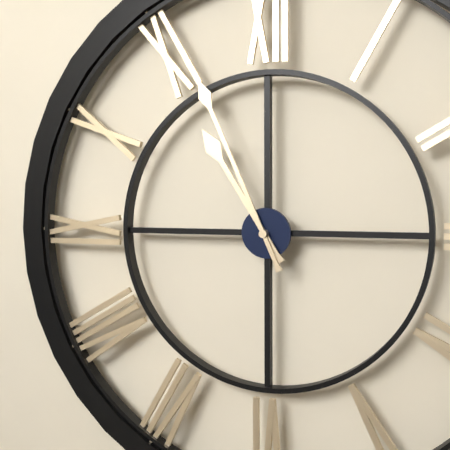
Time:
h=10 m=56
